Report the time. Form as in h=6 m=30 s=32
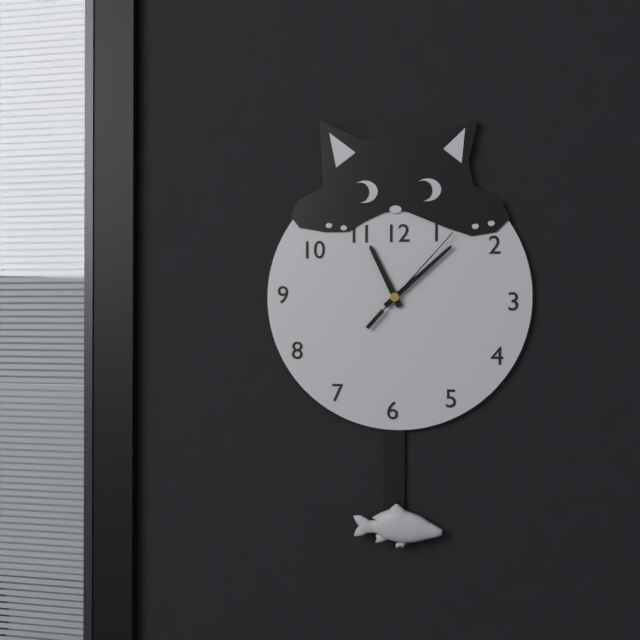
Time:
h=11 m=8 s=7
